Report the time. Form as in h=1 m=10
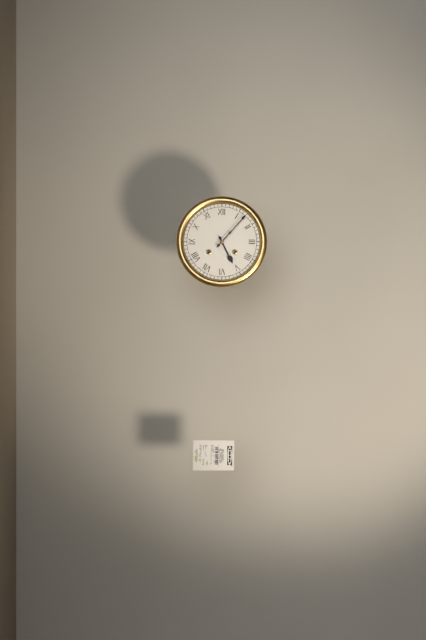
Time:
h=5 m=7
